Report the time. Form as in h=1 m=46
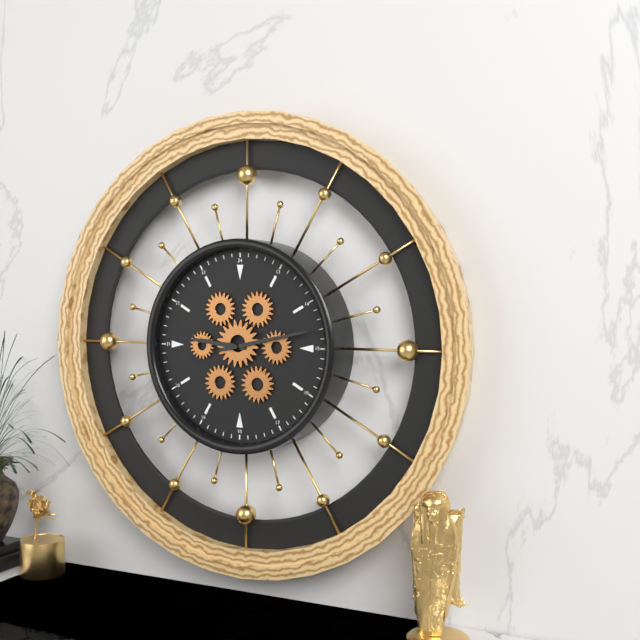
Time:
h=9 m=13
